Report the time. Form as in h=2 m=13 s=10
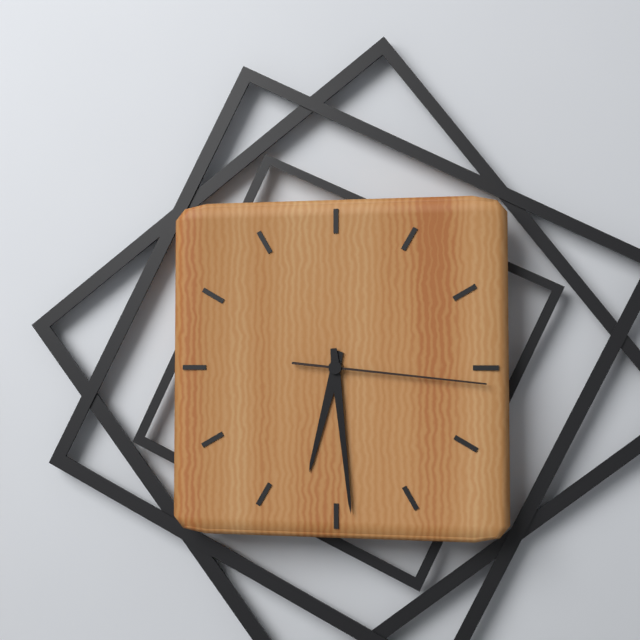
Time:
h=6 m=29 s=16
